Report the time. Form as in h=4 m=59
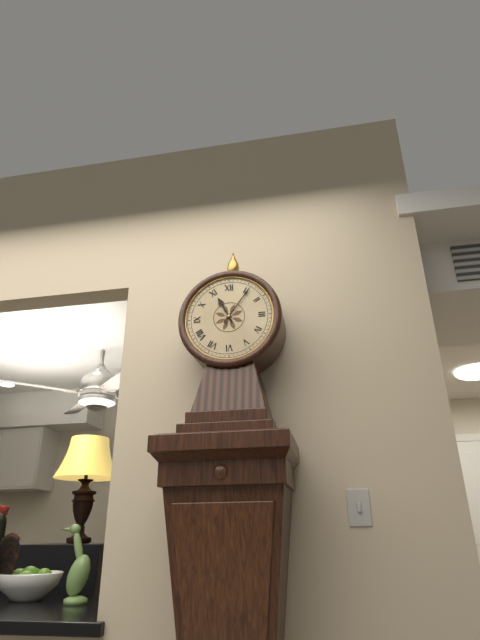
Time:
h=11 m=6
